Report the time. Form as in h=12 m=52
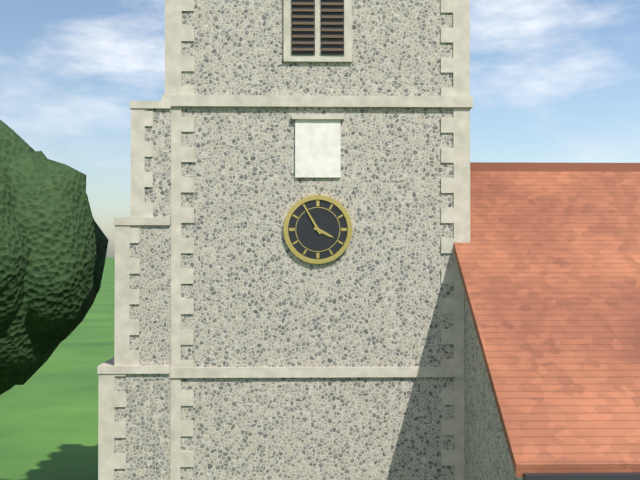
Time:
h=3 m=55
